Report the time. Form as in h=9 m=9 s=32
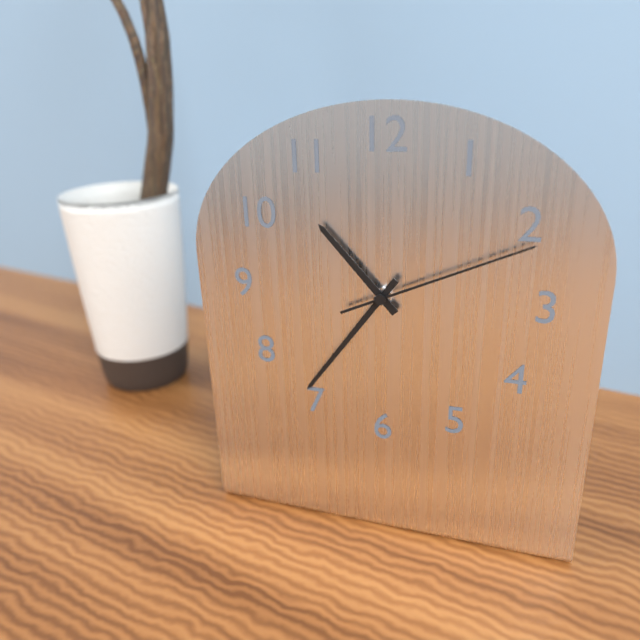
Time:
h=10 m=36 s=11
